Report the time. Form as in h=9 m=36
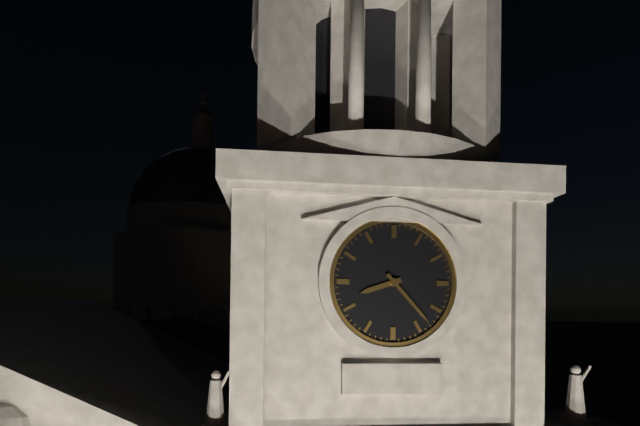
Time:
h=8 m=23
